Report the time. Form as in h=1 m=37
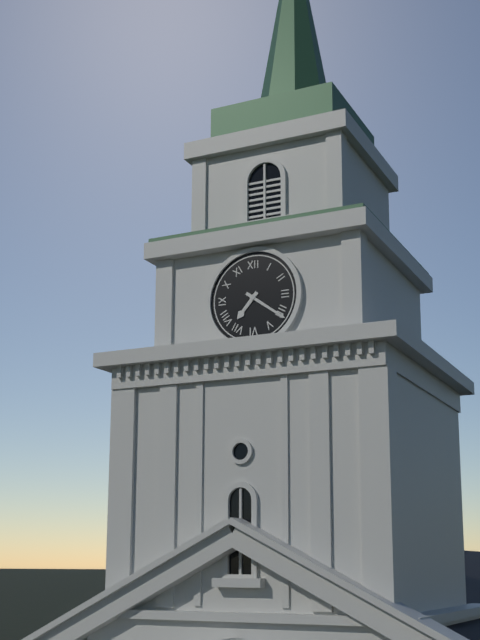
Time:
h=7 m=21
